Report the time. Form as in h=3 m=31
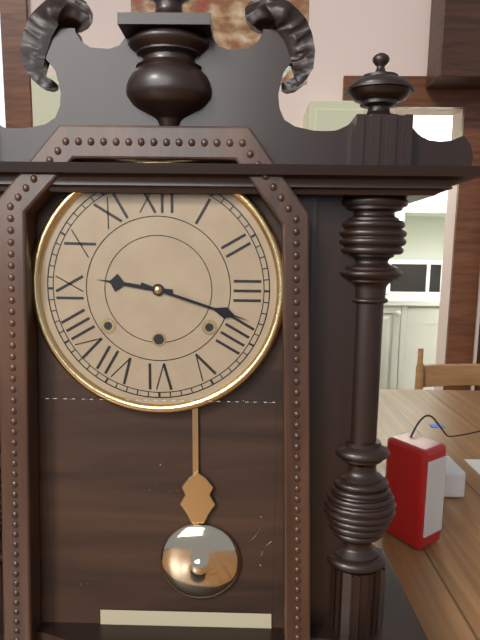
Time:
h=9 m=18
